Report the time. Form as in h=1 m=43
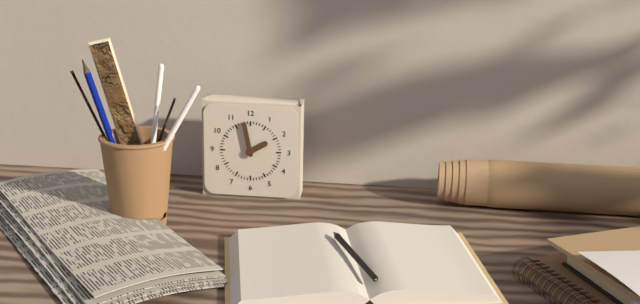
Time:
h=1 m=58
